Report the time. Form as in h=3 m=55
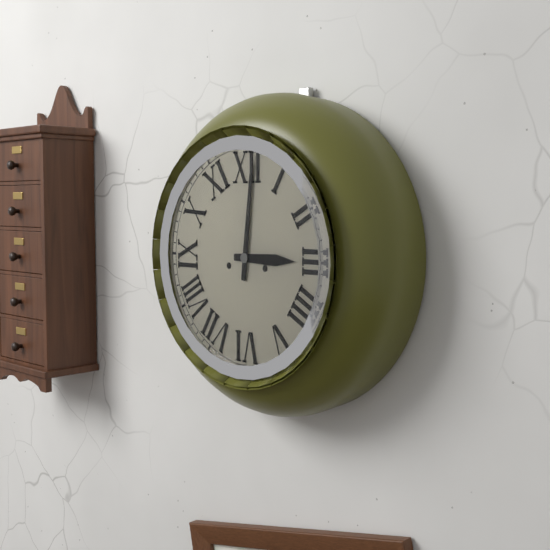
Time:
h=3 m=1
